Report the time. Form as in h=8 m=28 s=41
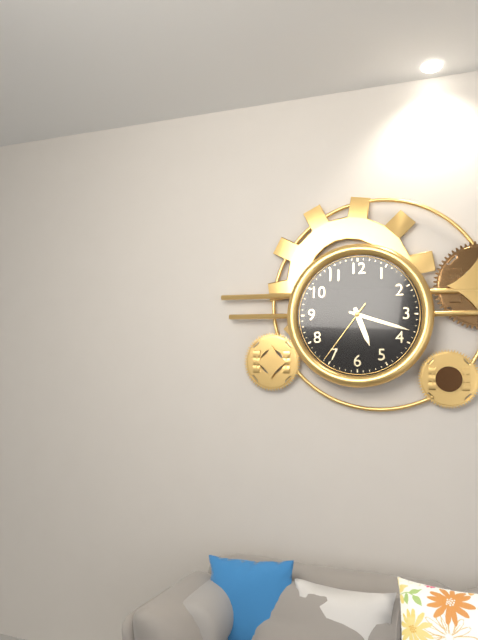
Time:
h=5 m=18 s=36
